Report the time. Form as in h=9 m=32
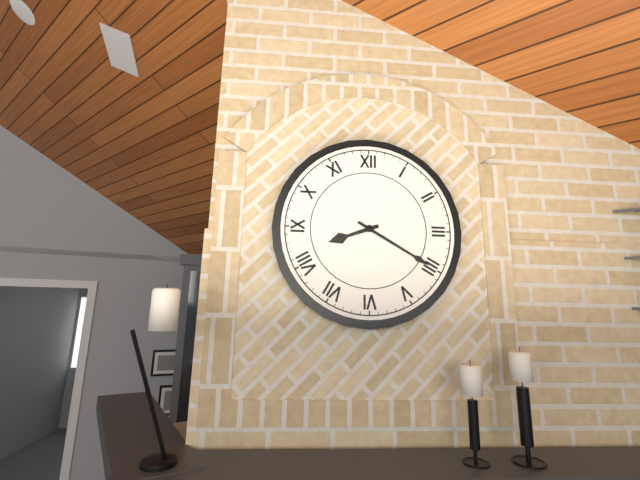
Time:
h=8 m=20
